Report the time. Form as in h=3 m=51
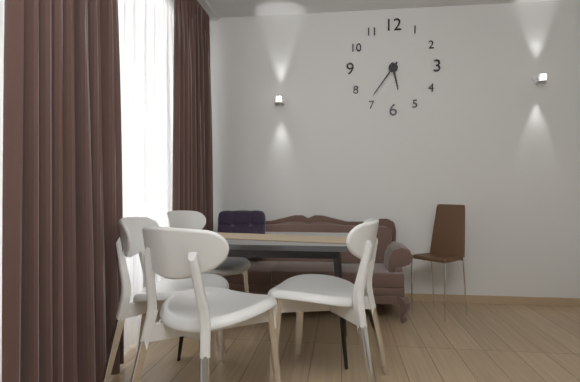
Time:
h=5 m=36
